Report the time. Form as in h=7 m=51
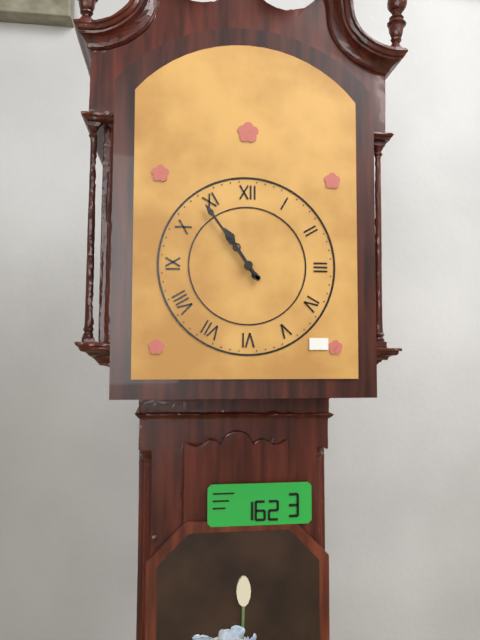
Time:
h=10 m=54
